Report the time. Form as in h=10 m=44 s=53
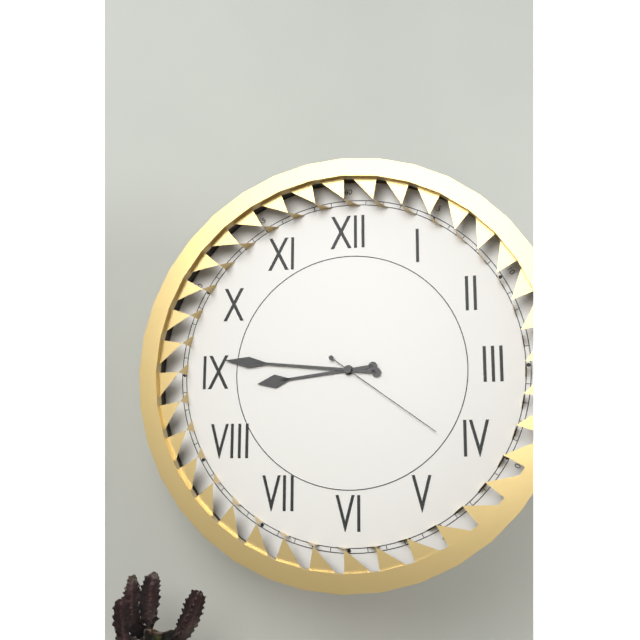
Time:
h=8 m=46 s=21
